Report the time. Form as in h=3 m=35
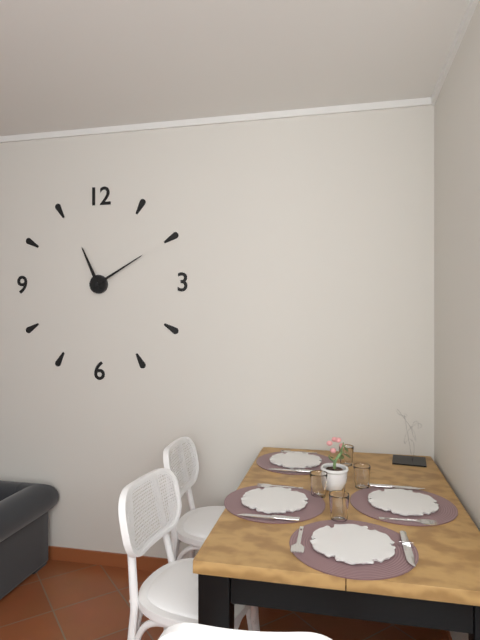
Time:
h=11 m=10
